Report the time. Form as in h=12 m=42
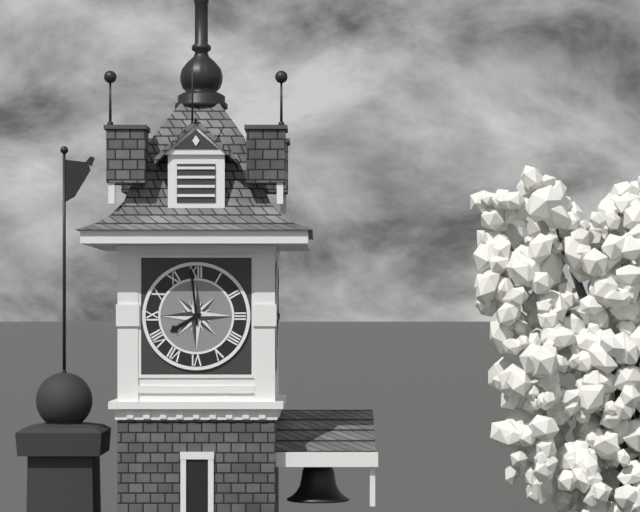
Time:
h=7 m=59
